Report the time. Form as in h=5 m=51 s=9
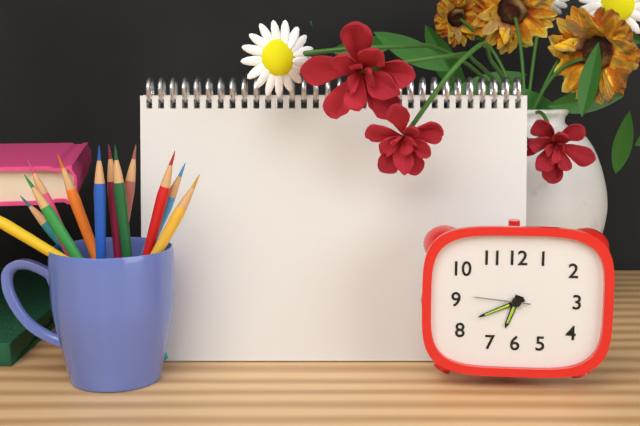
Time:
h=6 m=41 s=46
